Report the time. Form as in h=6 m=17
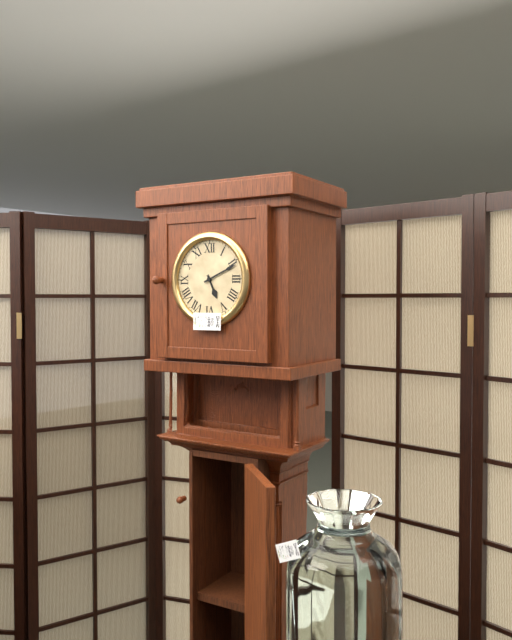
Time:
h=5 m=11
